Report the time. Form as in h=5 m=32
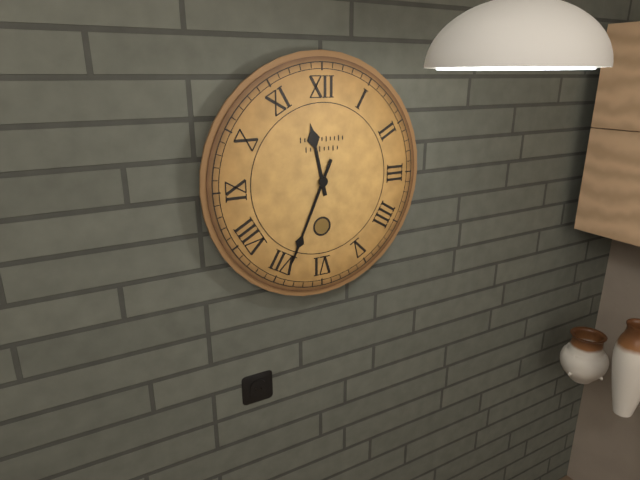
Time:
h=11 m=34
